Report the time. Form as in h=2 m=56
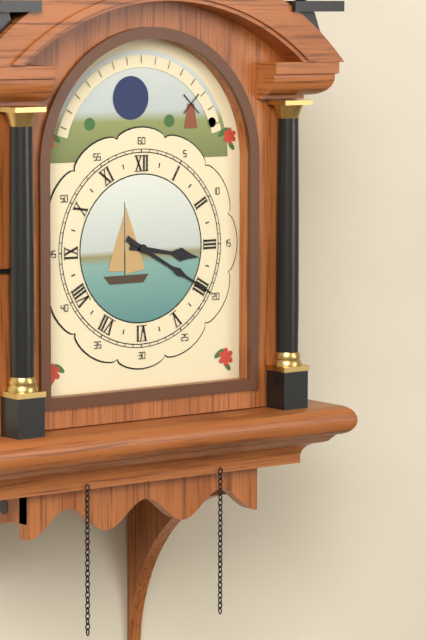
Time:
h=3 m=20
